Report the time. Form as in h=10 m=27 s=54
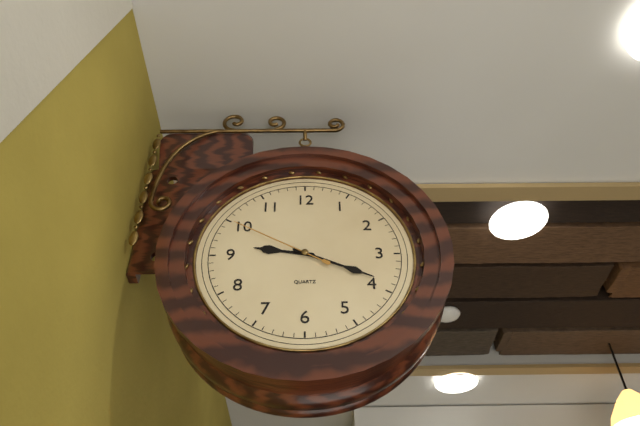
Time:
h=9 m=19 s=50
